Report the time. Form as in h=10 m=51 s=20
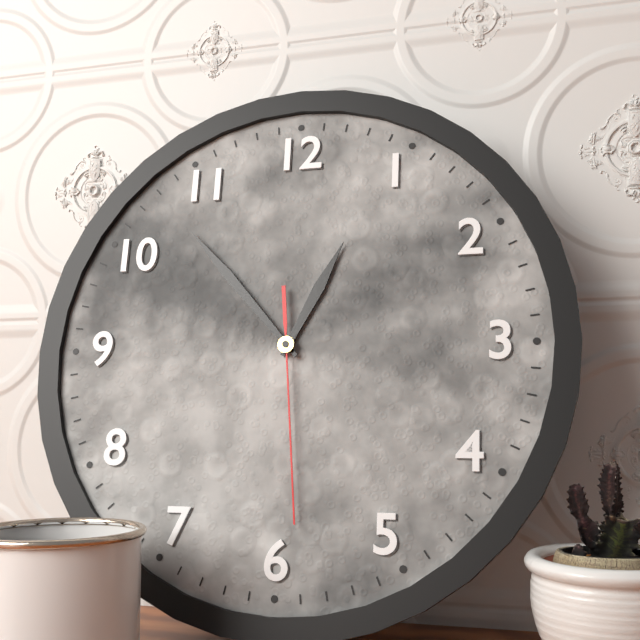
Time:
h=12 m=53 s=29
